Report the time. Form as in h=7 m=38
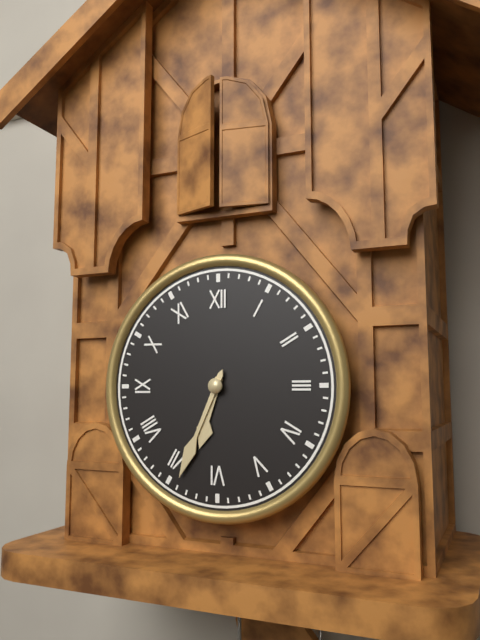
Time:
h=6 m=34
